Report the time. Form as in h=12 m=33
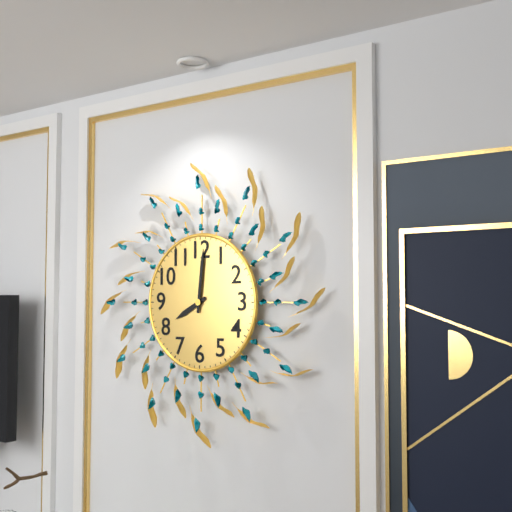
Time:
h=8 m=1
